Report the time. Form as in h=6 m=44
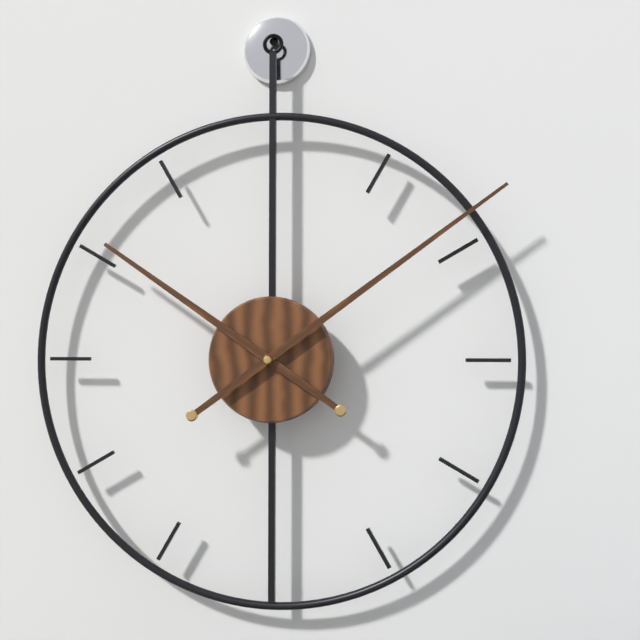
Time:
h=10 m=9
